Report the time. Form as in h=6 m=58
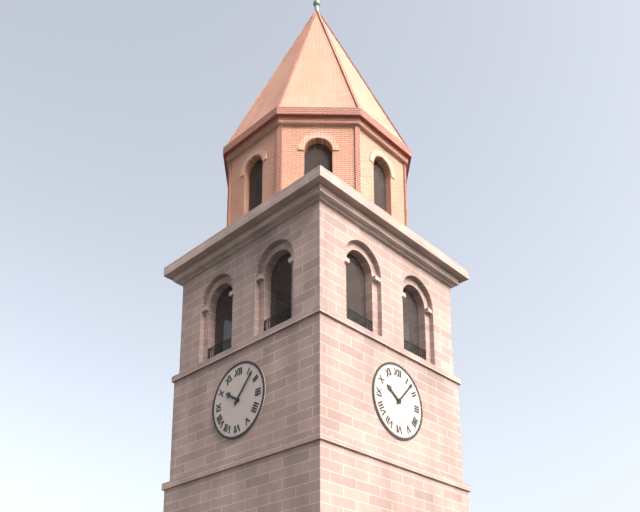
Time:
h=10 m=7
